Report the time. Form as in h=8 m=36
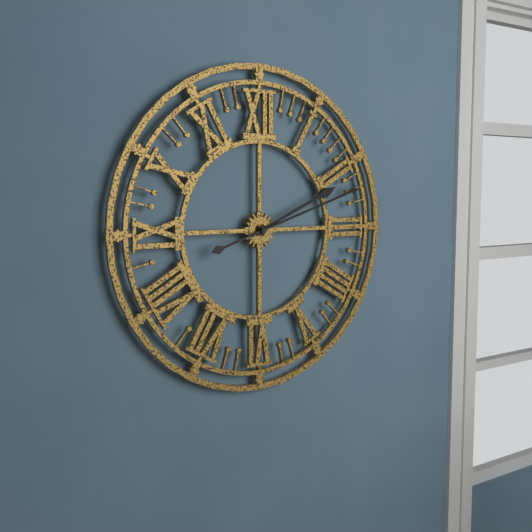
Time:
h=2 m=12
